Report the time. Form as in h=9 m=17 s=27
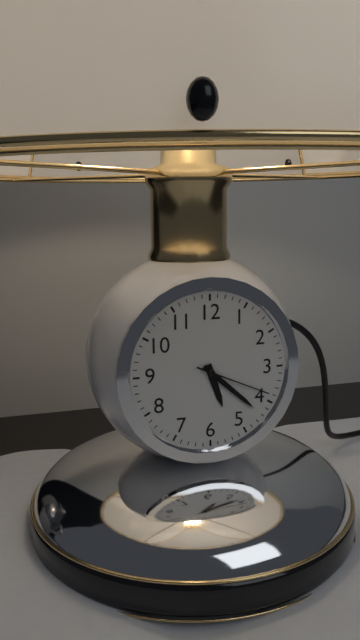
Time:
h=5 m=22 s=19
